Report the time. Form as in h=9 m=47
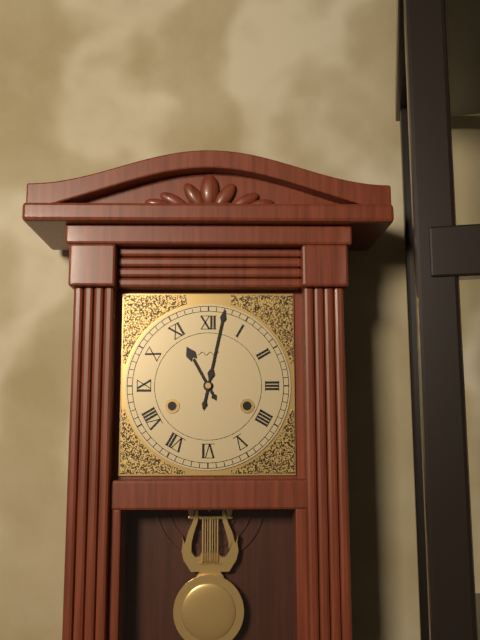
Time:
h=11 m=2
